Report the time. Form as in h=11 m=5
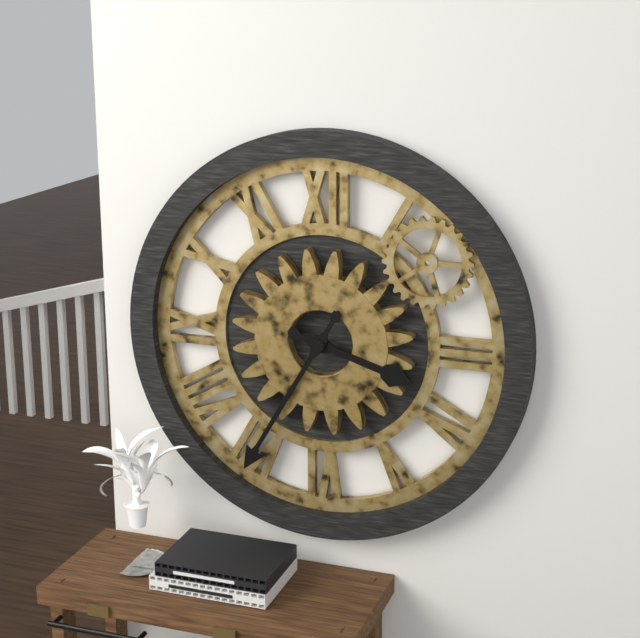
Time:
h=3 m=35
